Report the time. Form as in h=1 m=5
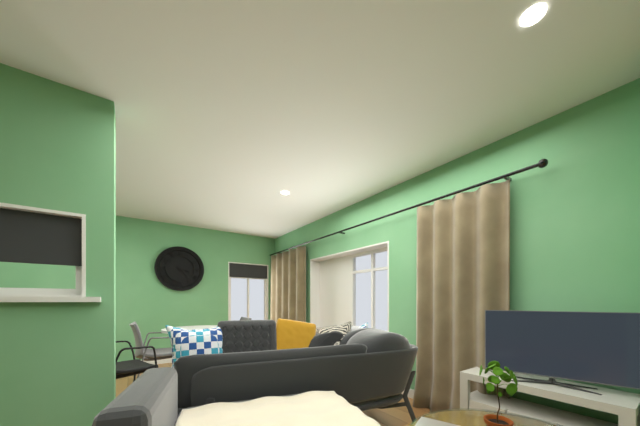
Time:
h=3 m=23
